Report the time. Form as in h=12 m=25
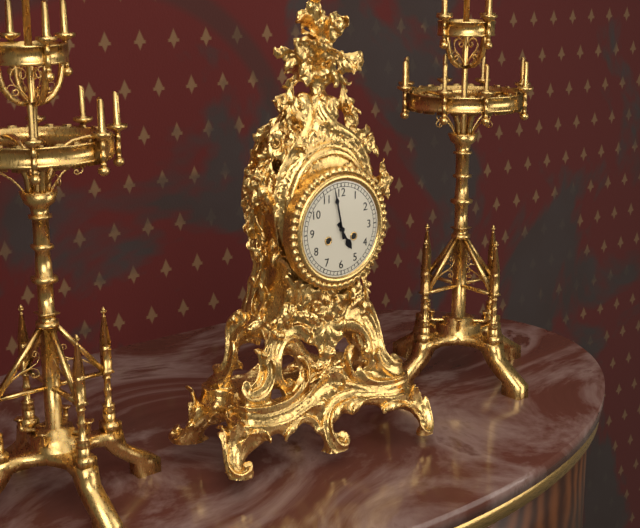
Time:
h=4 m=58
